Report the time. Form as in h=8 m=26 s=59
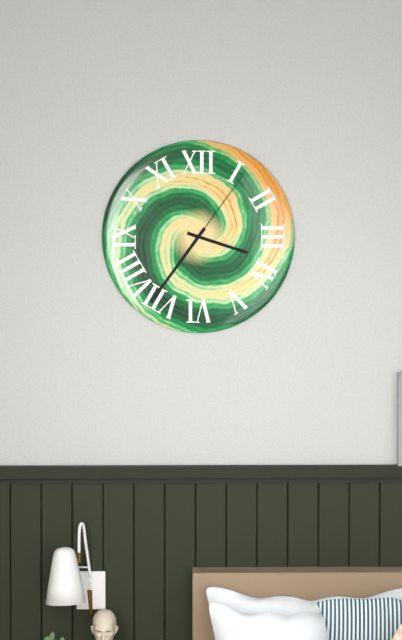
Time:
h=3 m=36 s=6
